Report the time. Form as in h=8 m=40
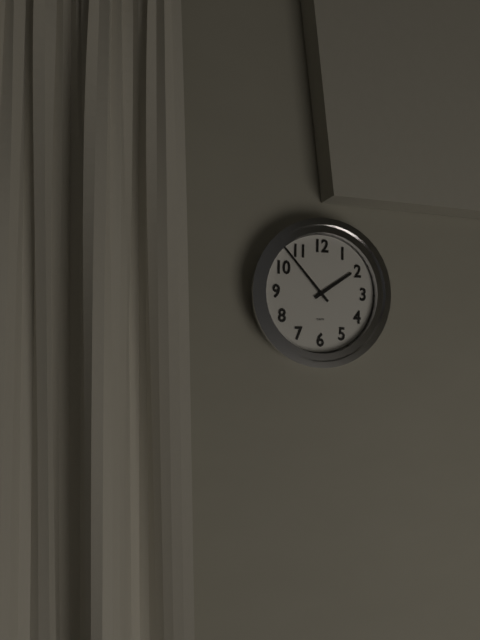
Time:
h=1 m=53
